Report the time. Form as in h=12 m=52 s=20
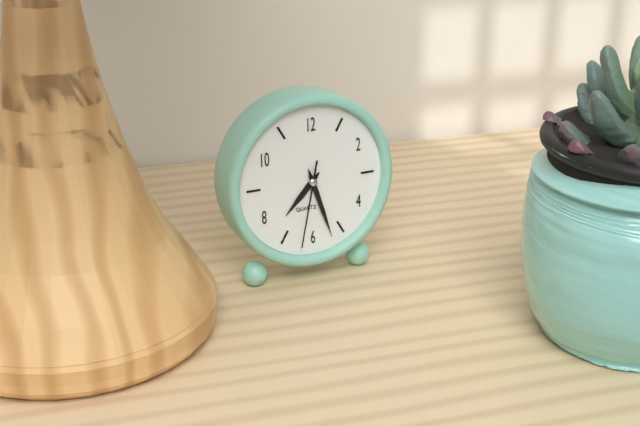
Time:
h=7 m=27 s=32
